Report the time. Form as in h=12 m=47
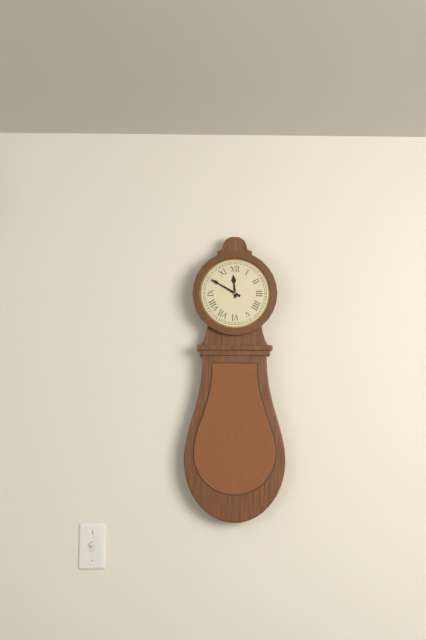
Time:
h=11 m=50
